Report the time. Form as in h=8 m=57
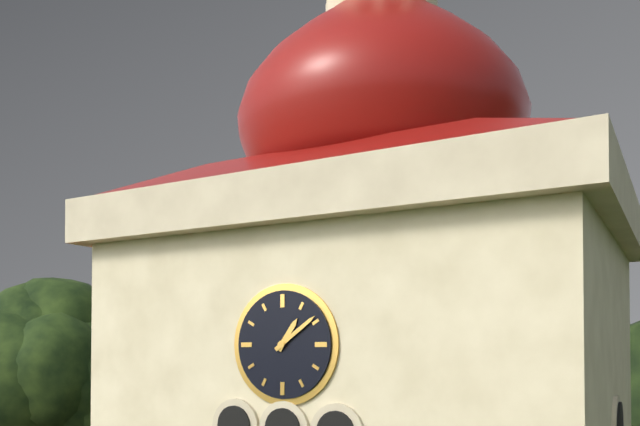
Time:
h=1 m=9
